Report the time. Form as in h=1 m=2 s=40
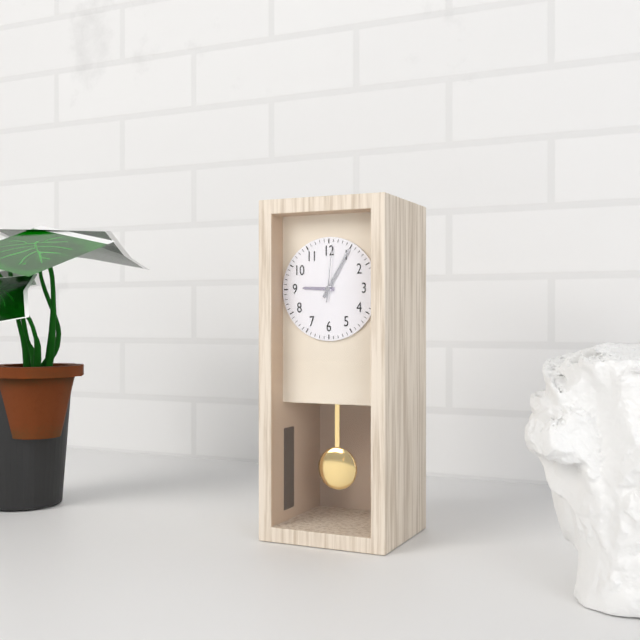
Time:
h=9 m=5 s=1
